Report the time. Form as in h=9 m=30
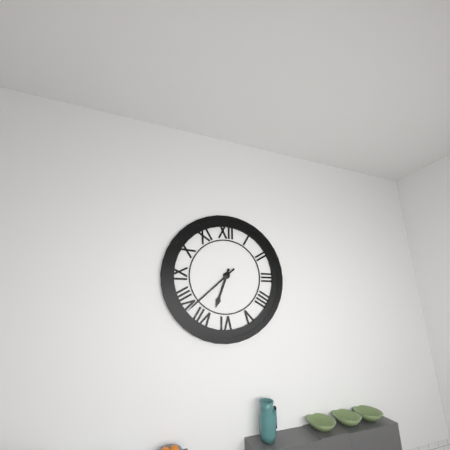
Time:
h=6 m=38
